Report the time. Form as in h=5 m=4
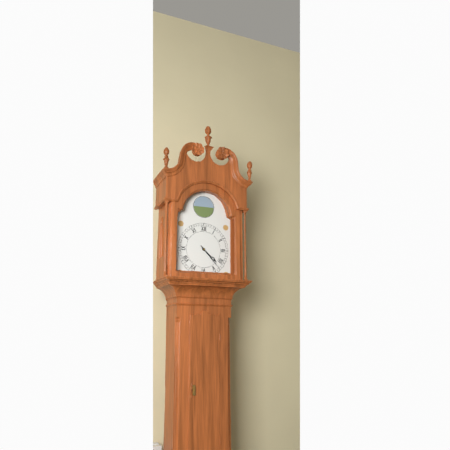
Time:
h=4 m=23
